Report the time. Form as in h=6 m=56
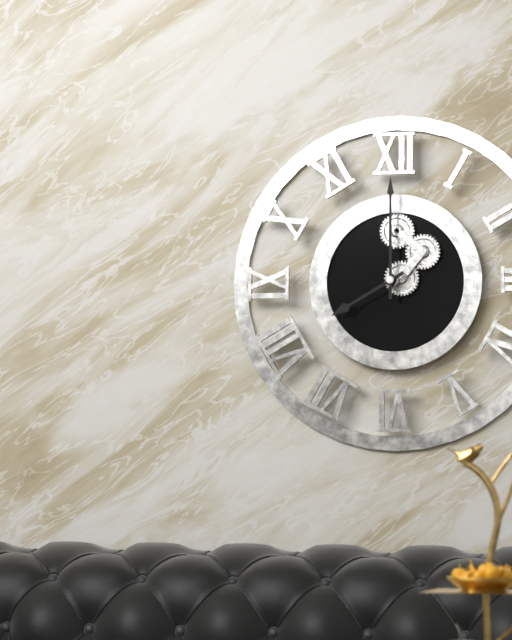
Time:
h=8 m=0
